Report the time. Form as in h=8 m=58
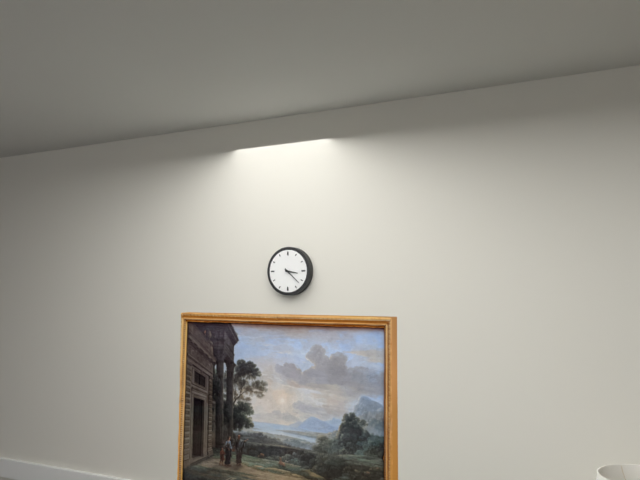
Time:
h=3 m=22
